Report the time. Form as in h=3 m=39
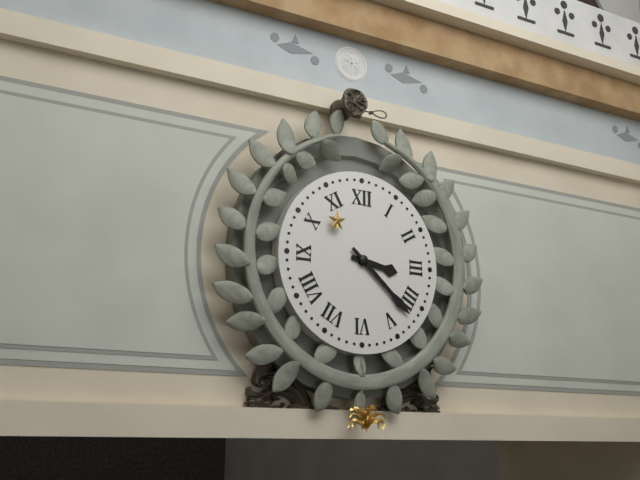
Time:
h=3 m=22
